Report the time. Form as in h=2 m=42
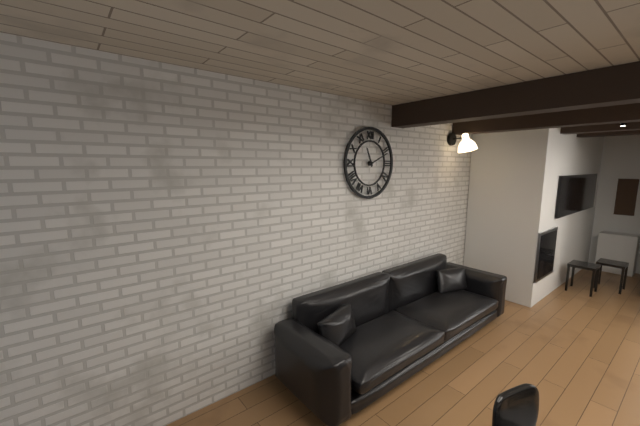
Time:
h=11 m=11
